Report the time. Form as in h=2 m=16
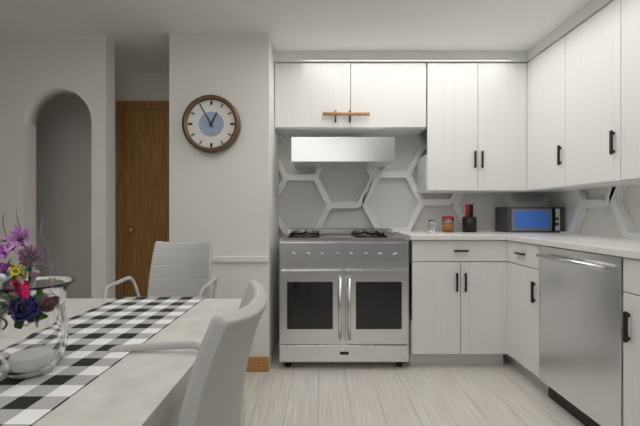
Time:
h=12 m=55
